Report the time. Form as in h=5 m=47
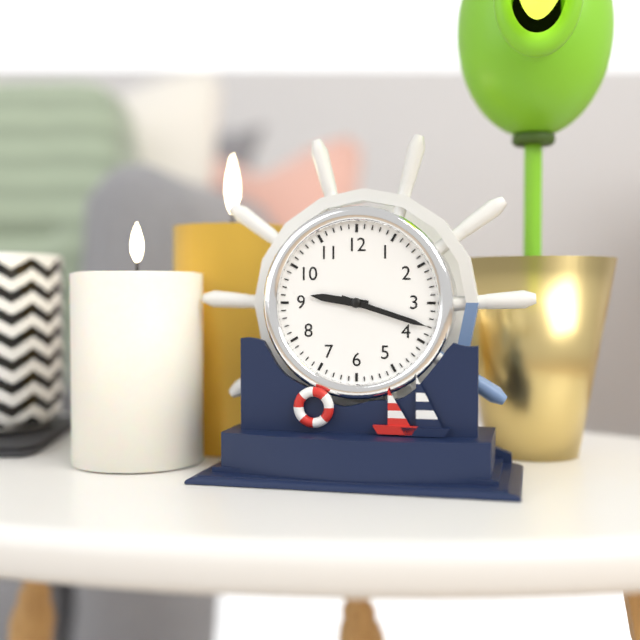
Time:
h=9 m=18
